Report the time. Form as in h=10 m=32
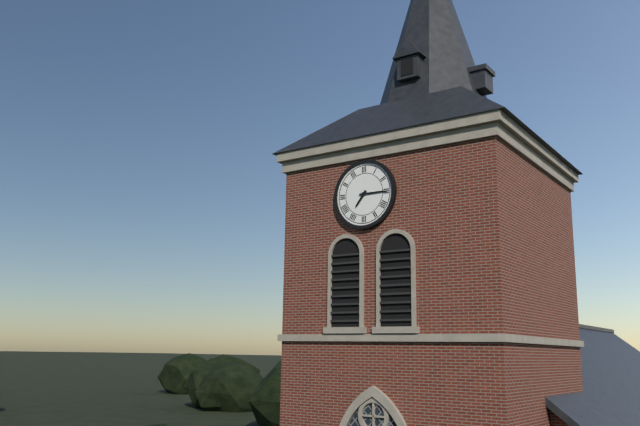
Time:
h=7 m=15
